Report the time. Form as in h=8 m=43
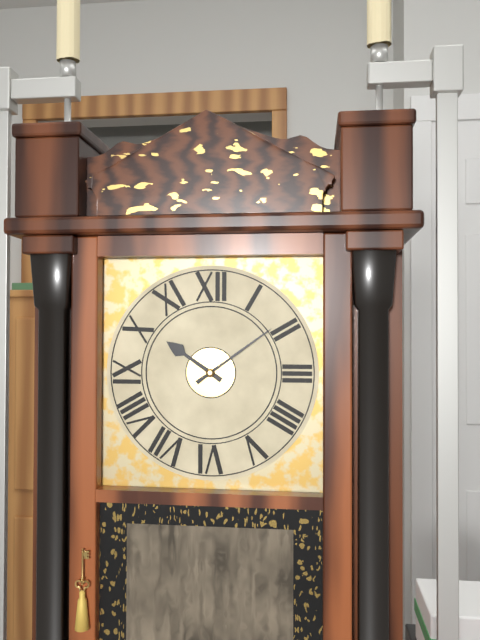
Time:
h=10 m=9
